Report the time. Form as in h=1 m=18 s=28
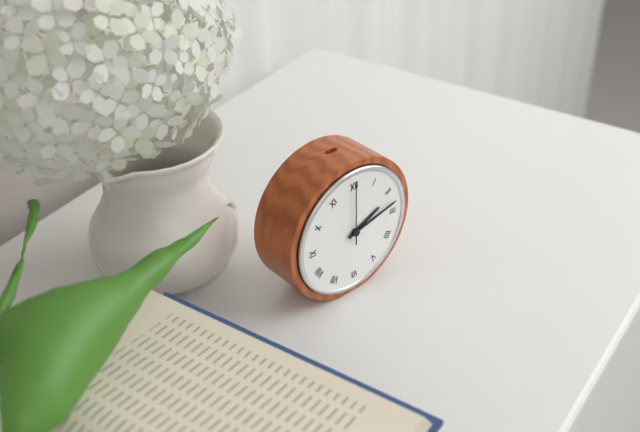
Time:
h=2 m=13 s=0
